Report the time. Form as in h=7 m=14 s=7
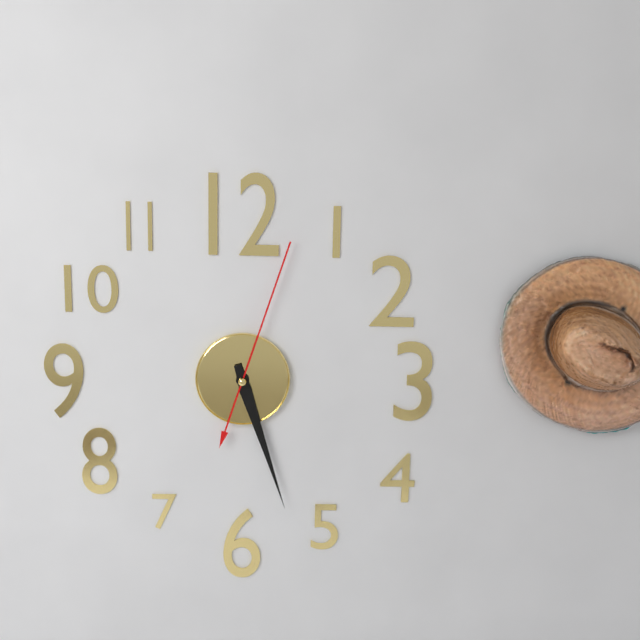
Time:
h=5 m=27 s=3
